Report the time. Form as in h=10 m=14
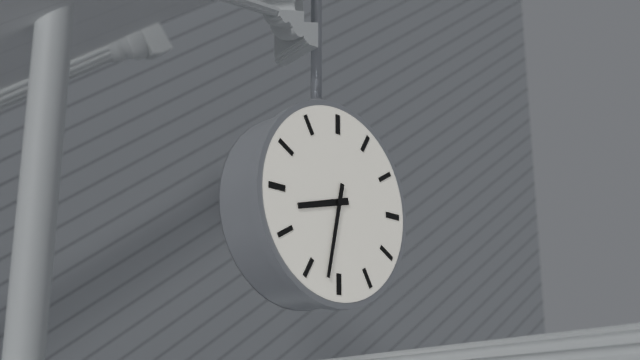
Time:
h=8 m=32
